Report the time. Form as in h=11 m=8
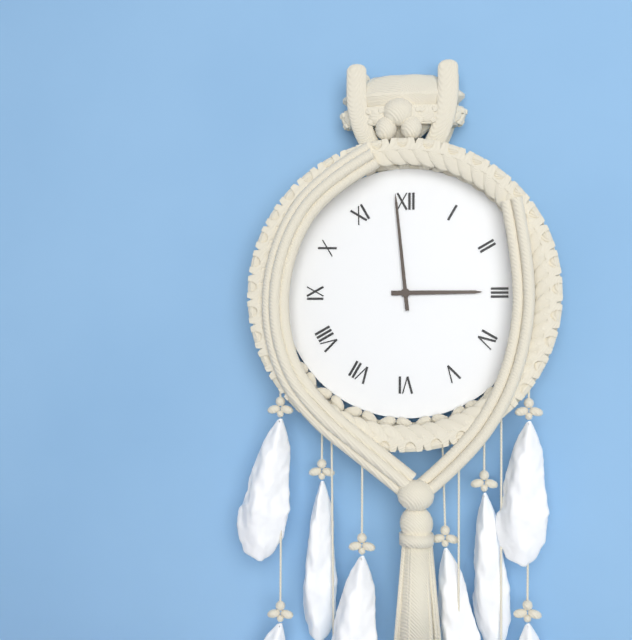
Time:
h=2 m=59
